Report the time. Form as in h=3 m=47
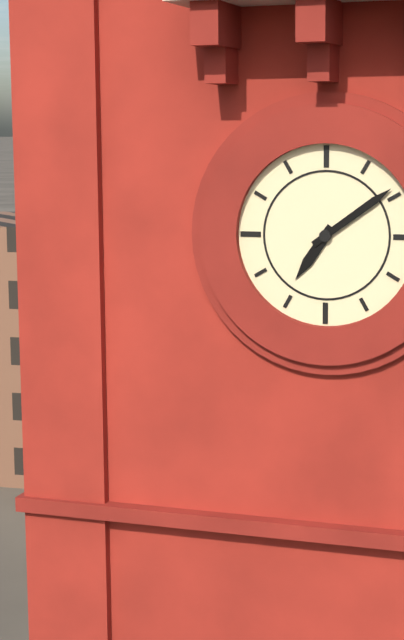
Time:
h=7 m=9
